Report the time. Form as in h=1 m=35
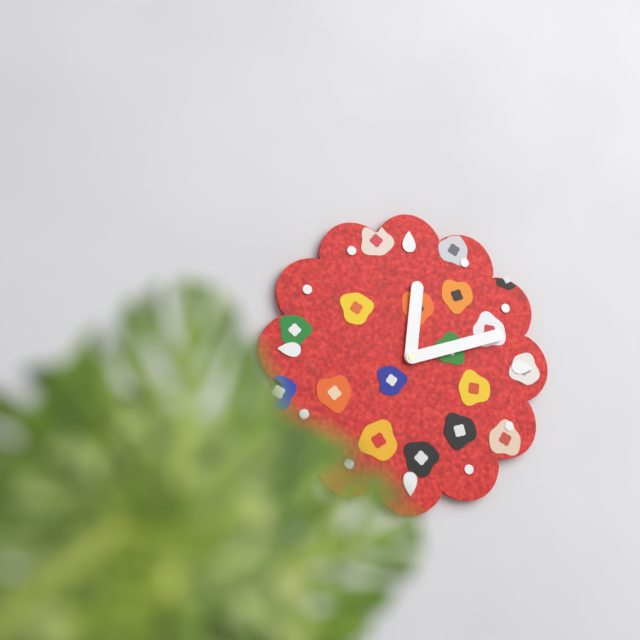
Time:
h=12 m=12
